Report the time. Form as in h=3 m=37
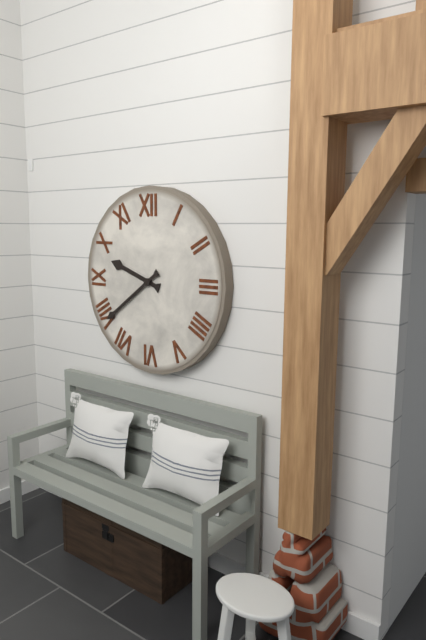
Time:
h=9 m=39
